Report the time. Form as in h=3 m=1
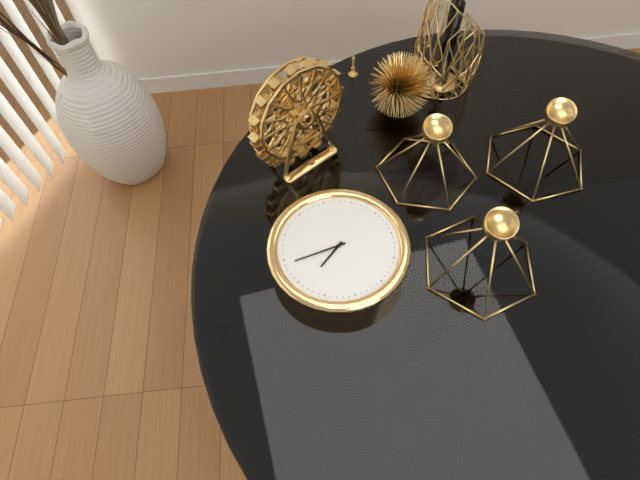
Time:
h=7 m=44
